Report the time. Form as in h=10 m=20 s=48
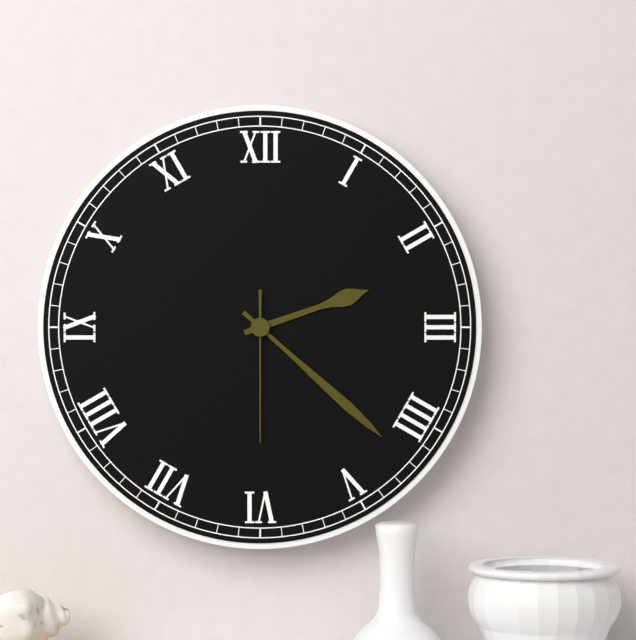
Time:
h=2 m=22 s=30
